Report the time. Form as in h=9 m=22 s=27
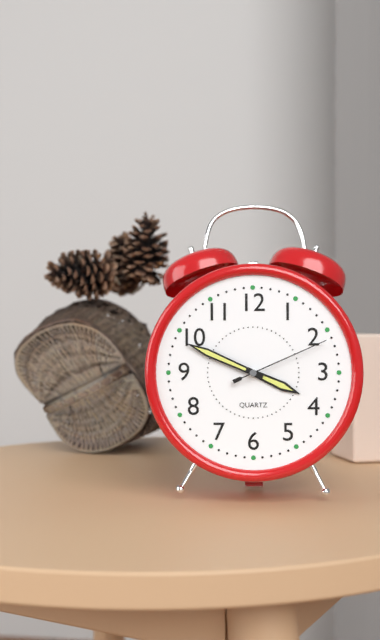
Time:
h=3 m=49 s=11
